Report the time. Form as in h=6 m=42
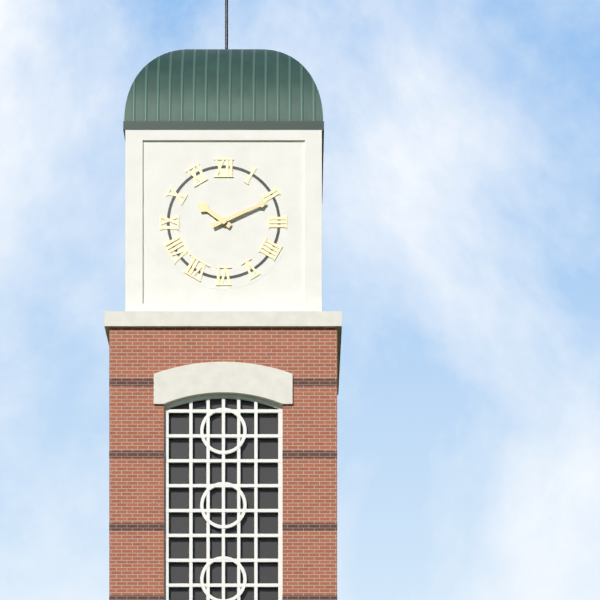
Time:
h=10 m=11
